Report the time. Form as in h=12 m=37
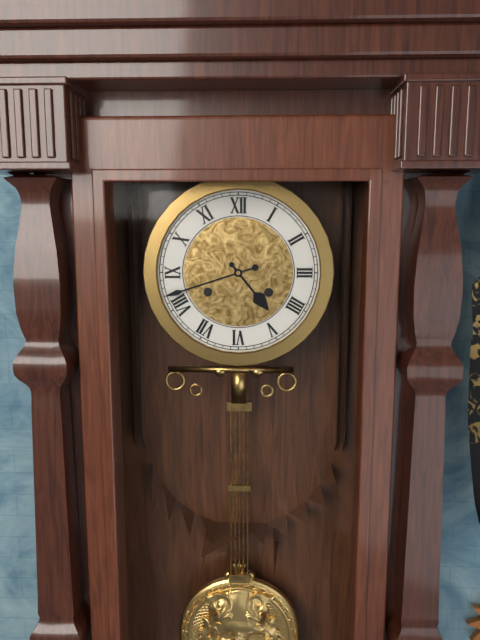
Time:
h=4 m=42
